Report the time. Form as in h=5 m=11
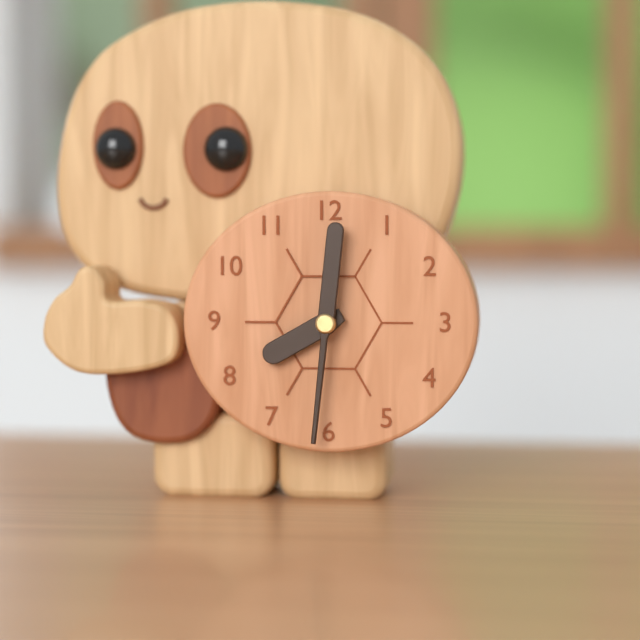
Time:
h=8 m=1
